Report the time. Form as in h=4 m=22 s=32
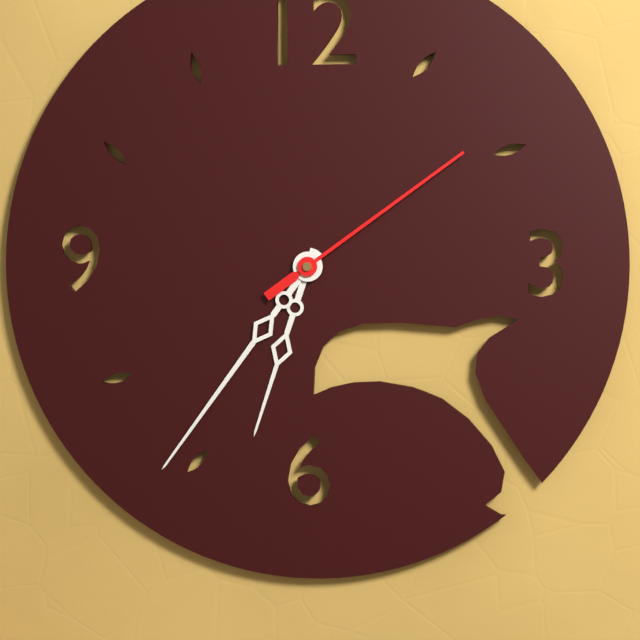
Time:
h=6 m=36 s=9
